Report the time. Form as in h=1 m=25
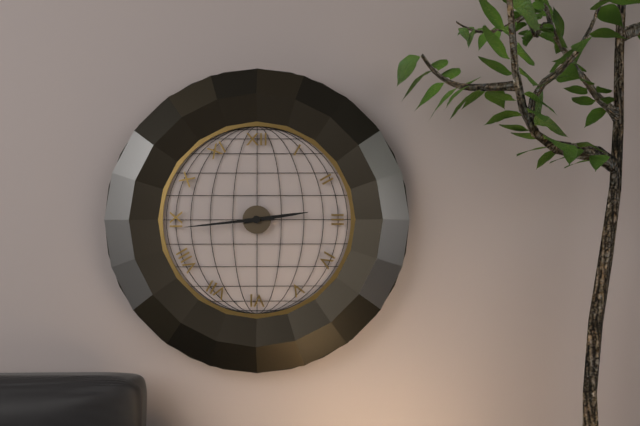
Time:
h=2 m=44
